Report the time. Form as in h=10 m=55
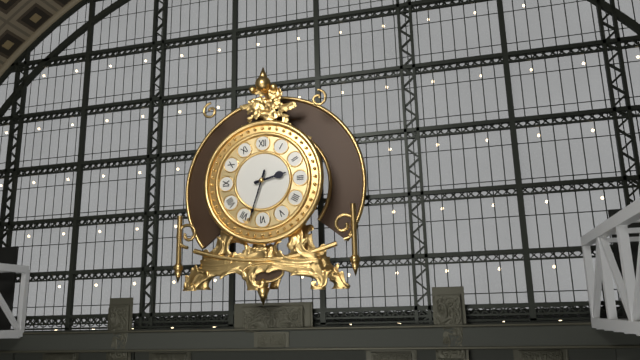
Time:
h=2 m=33
